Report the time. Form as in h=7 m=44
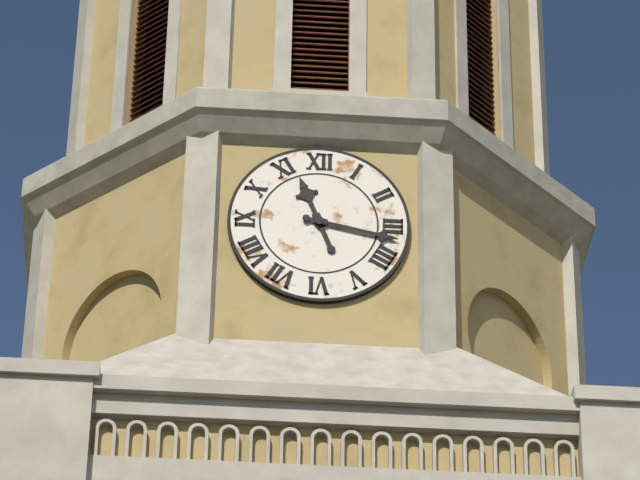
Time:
h=11 m=17
